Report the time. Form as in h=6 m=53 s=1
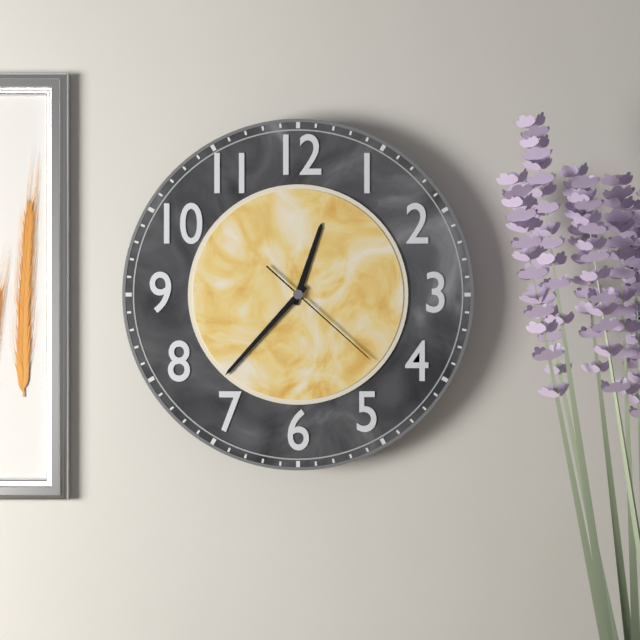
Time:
h=12 m=37 s=22
